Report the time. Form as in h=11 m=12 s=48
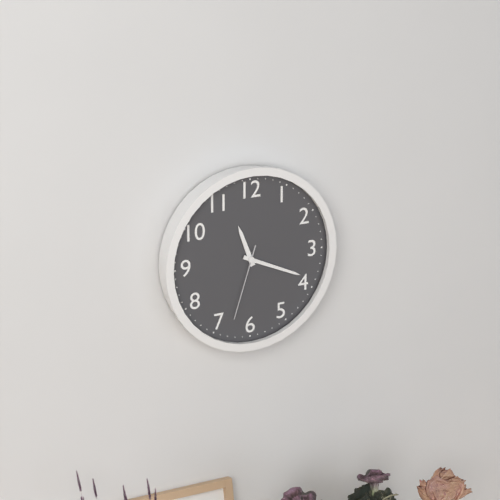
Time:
h=11 m=19 s=33
